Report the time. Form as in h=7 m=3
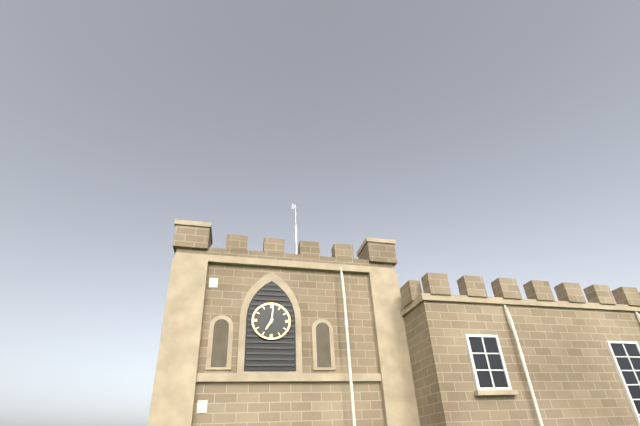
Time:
h=7 m=1
